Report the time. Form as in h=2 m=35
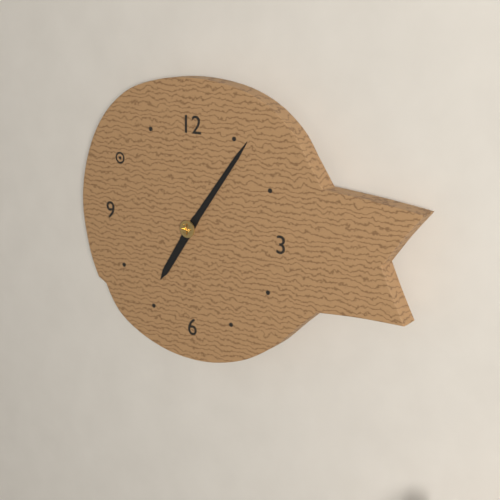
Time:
h=7 m=6
